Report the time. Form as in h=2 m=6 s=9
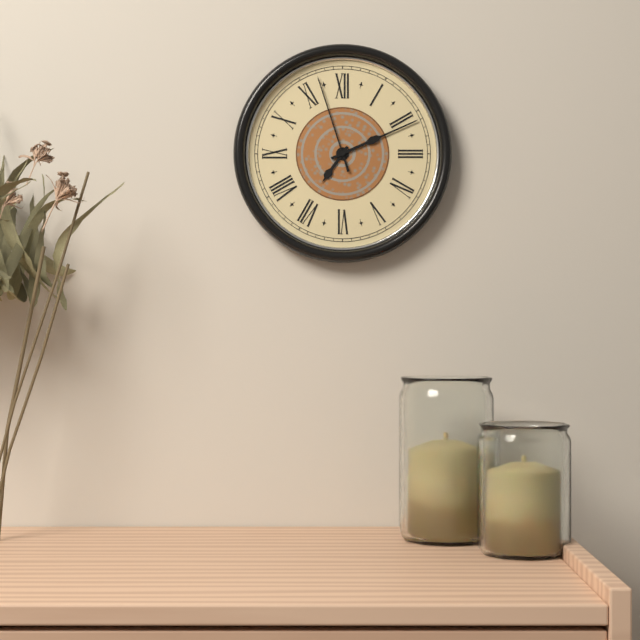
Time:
h=7 m=11 s=57
